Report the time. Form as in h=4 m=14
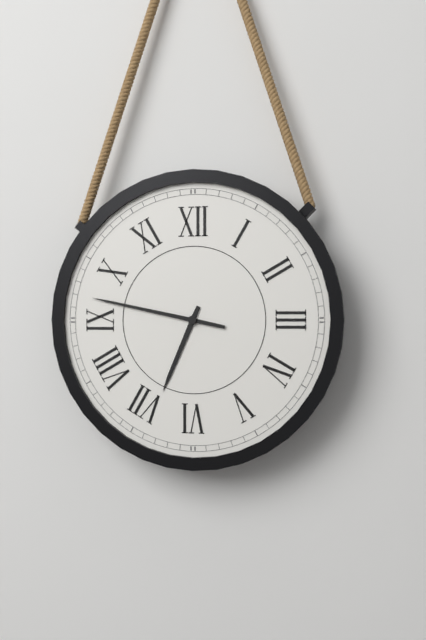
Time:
h=6 m=47
